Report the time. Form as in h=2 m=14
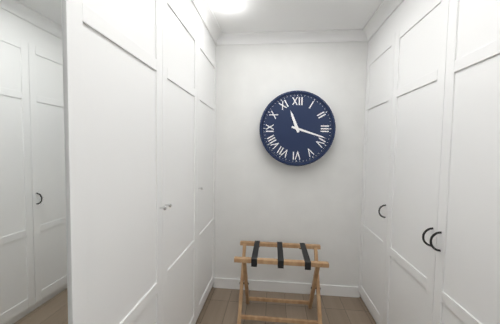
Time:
h=11 m=18
